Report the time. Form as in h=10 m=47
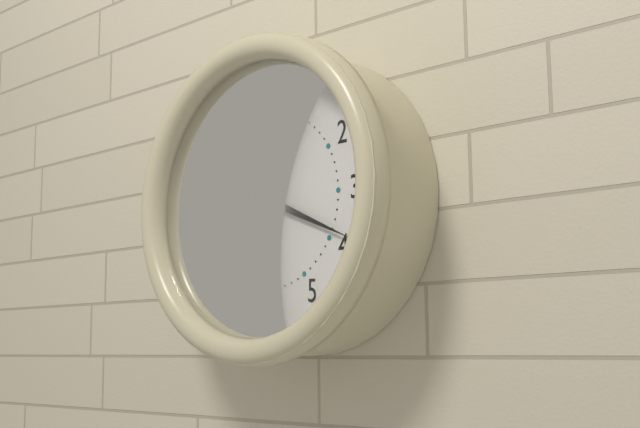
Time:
h=9 m=19
